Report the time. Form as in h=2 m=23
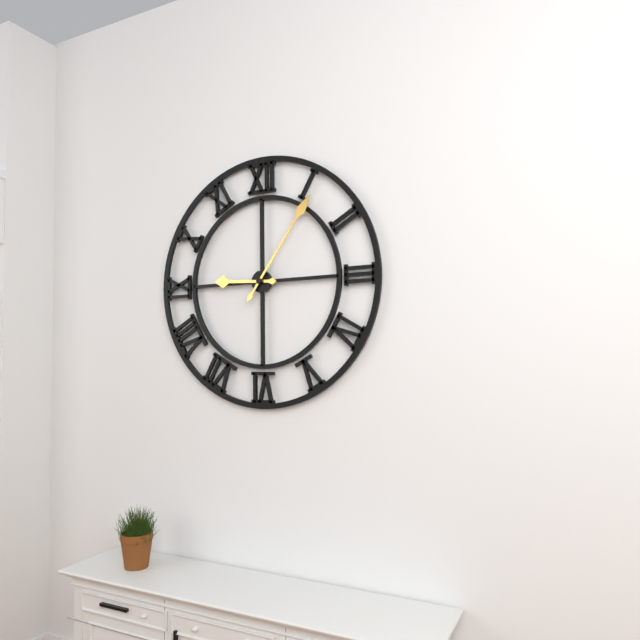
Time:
h=9 m=6
